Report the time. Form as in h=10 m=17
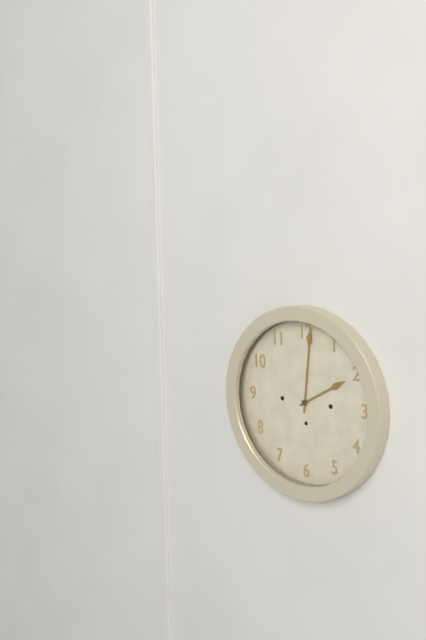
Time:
h=2 m=1
